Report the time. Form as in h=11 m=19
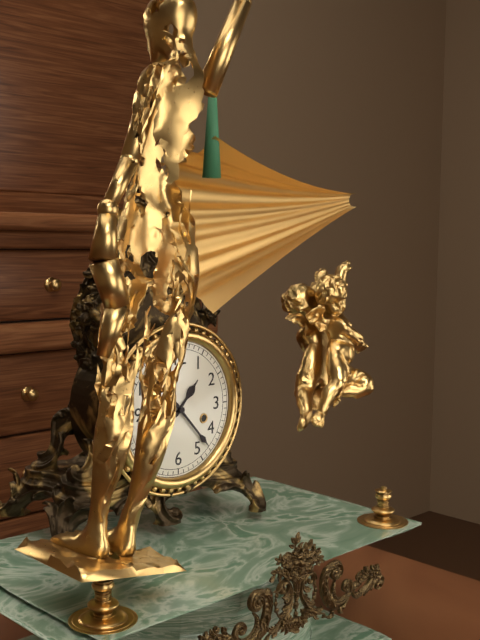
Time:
h=1 m=23
